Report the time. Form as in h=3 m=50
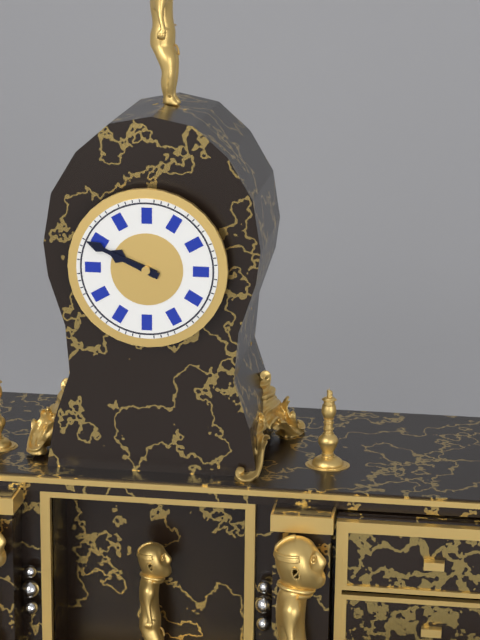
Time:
h=9 m=49
